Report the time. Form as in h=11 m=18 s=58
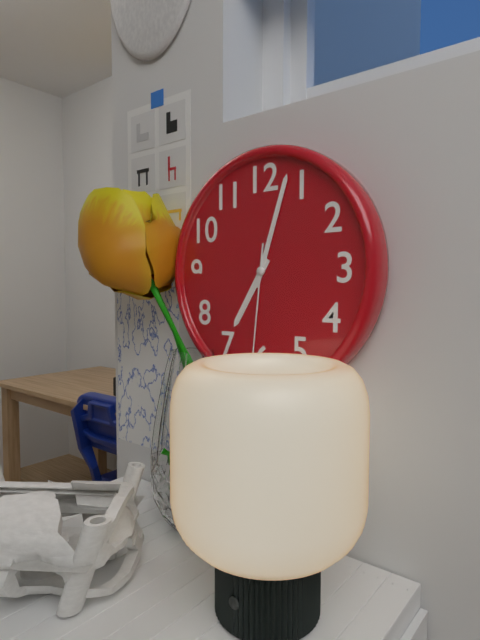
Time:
h=7 m=3 s=31
